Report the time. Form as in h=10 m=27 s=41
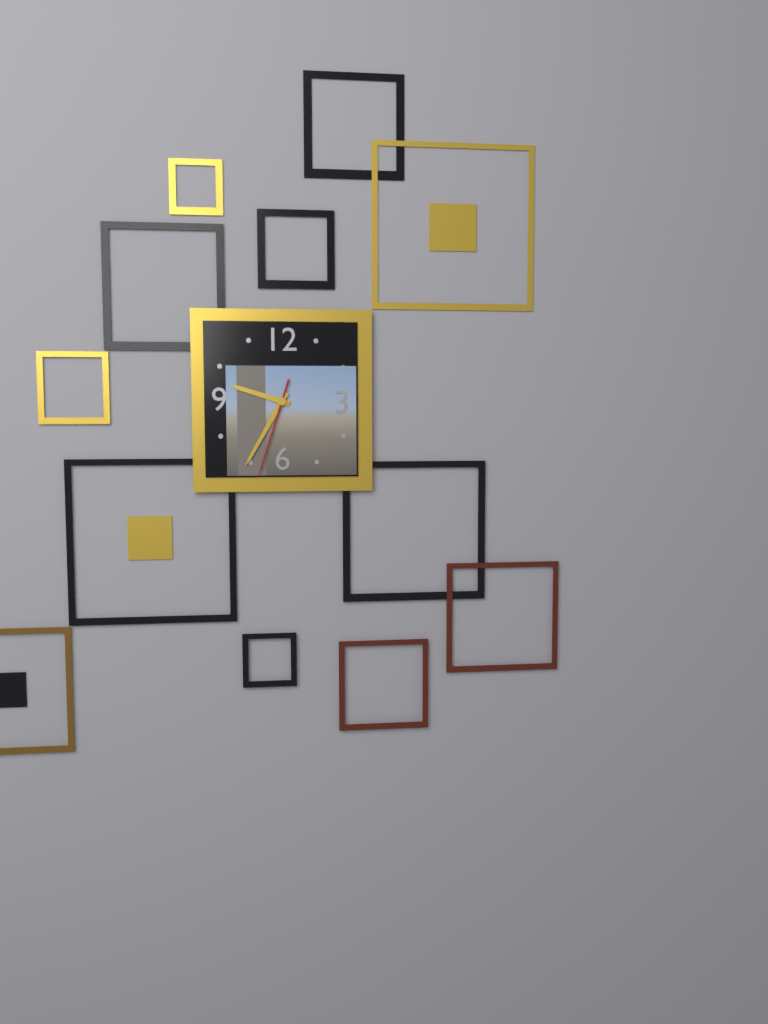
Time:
h=9 m=35 s=33
